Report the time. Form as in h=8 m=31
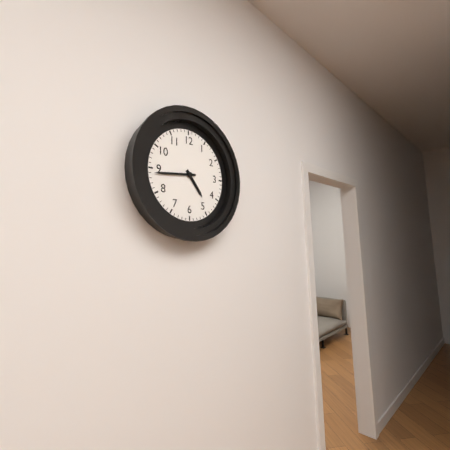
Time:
h=4 m=44
